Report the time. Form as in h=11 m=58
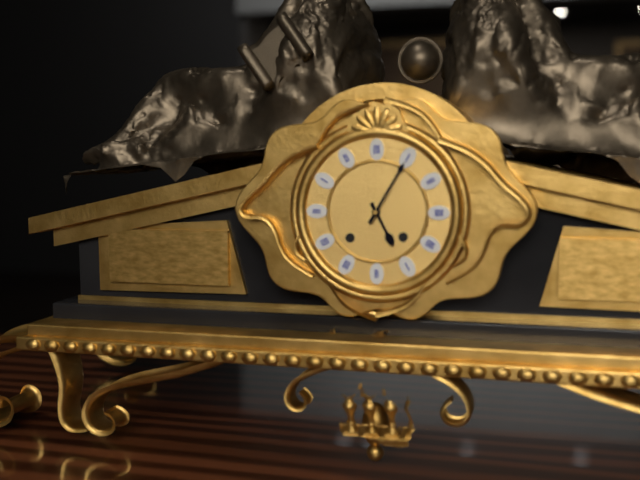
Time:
h=5 m=5
